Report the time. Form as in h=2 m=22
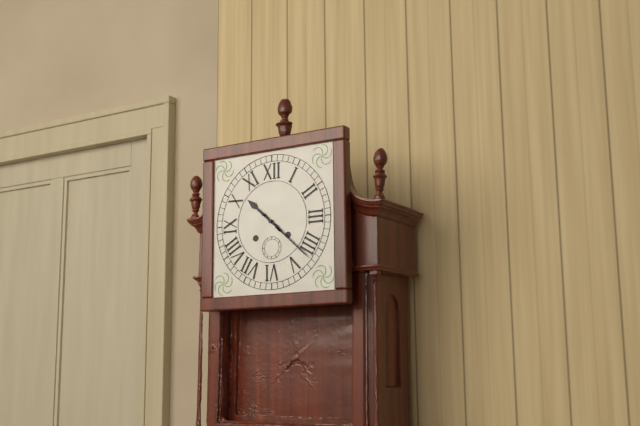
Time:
h=10 m=22
